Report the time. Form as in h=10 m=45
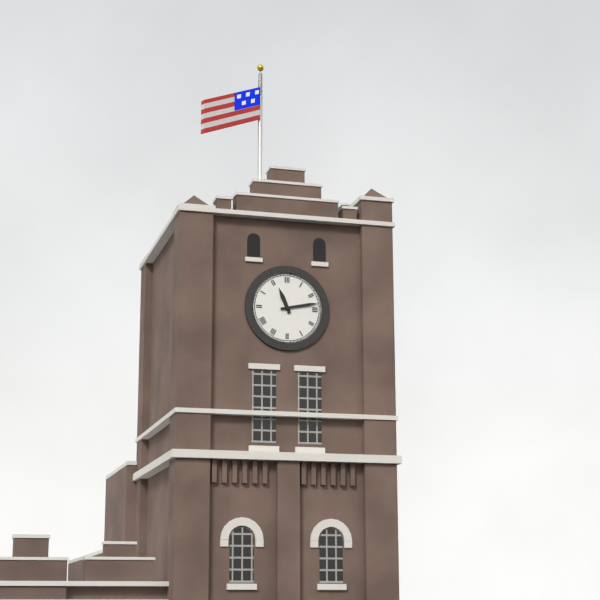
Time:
h=11 m=13
